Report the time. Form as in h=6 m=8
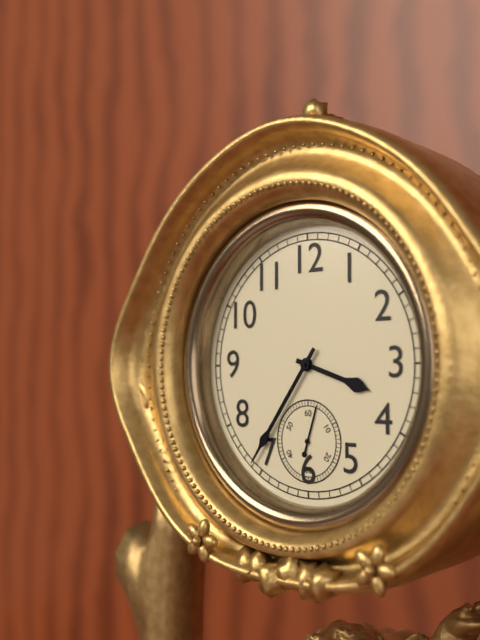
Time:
h=3 m=36
